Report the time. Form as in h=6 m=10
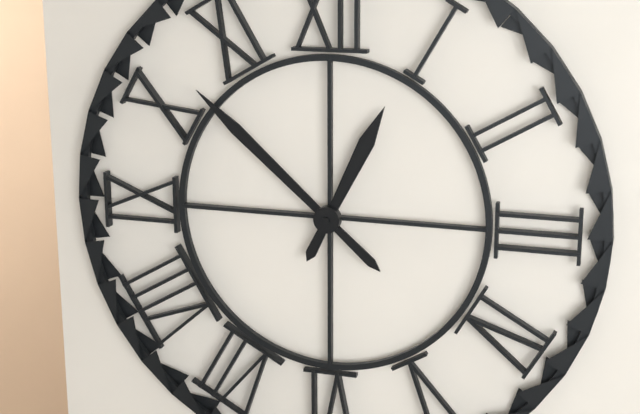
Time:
h=12 m=52
